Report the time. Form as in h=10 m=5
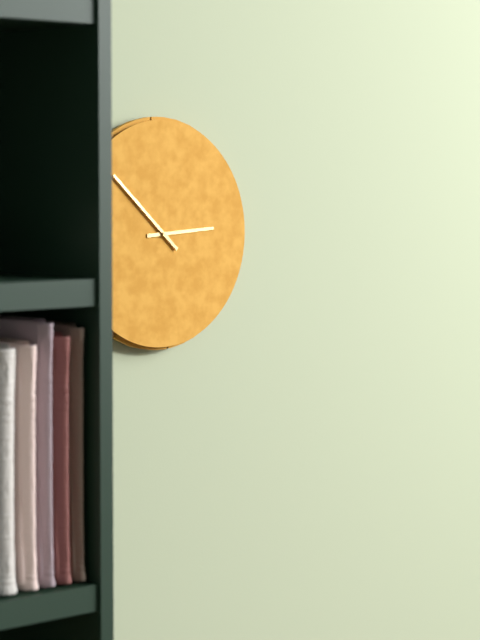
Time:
h=2 m=52
